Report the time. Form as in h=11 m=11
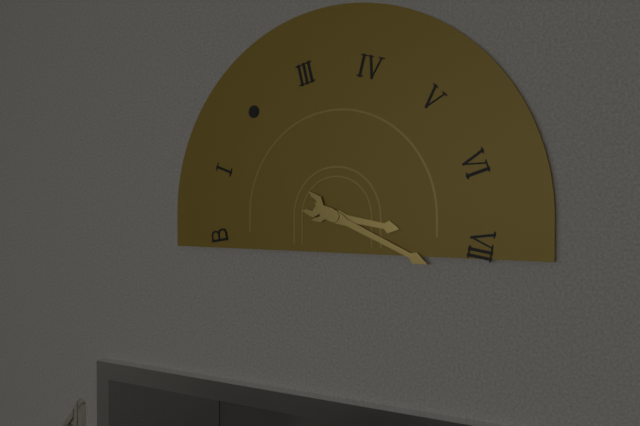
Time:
h=3 m=19
